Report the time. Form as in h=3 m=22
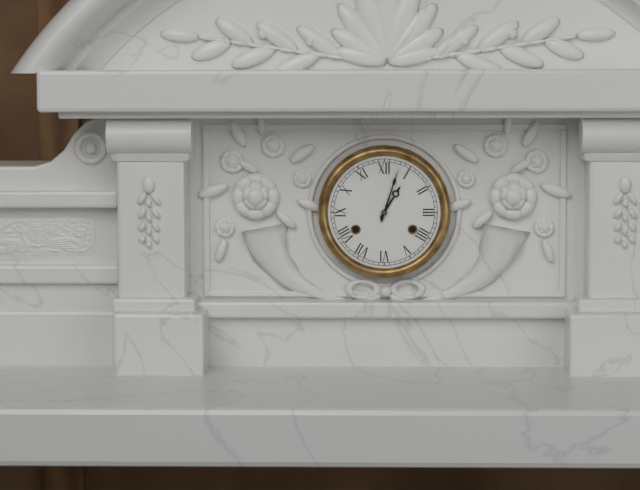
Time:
h=1 m=3
